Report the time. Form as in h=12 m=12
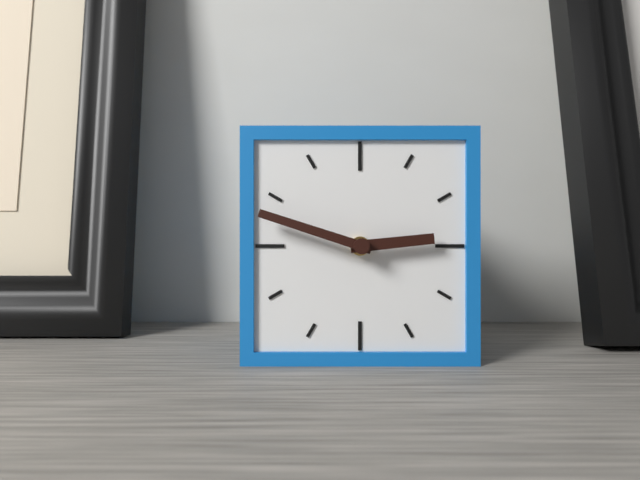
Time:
h=2 m=48
